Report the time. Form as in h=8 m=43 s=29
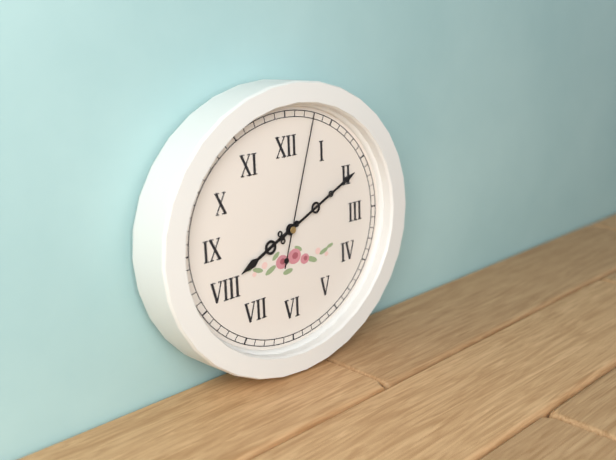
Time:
h=8 m=11 s=3
